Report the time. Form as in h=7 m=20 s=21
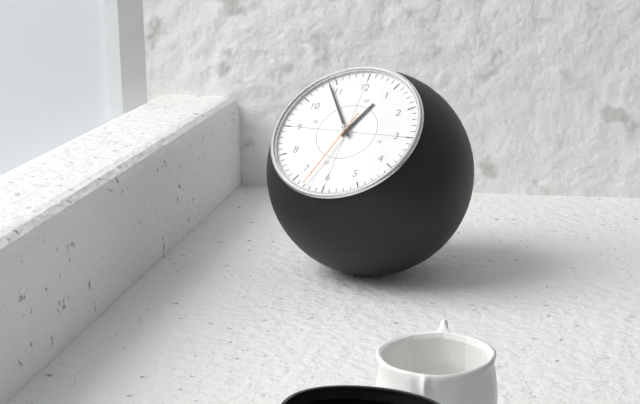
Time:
h=12 m=54 s=33
